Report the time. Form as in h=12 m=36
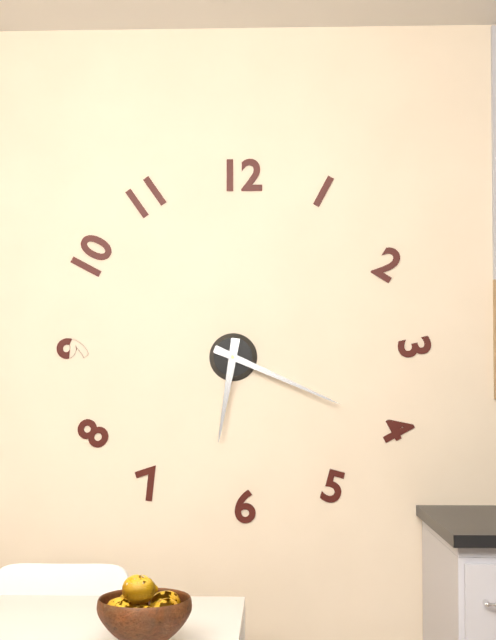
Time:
h=6 m=19
